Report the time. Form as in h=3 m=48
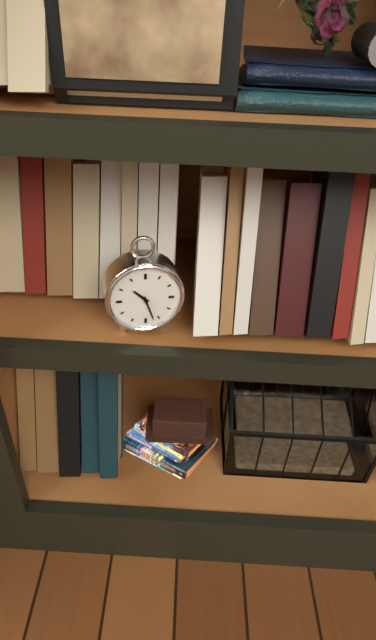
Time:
h=10 m=27
